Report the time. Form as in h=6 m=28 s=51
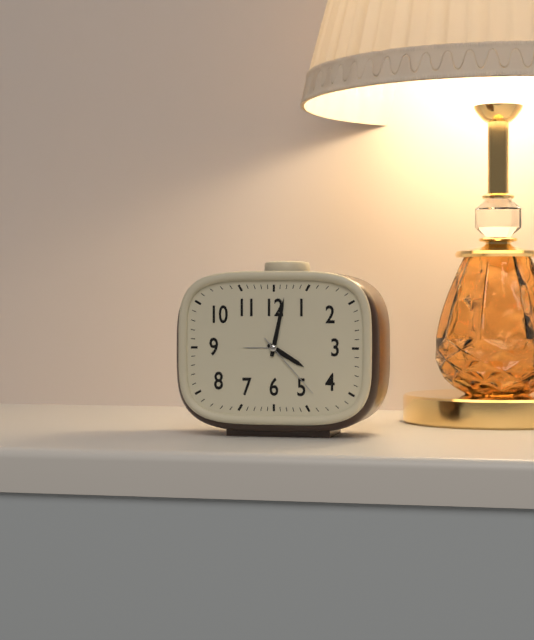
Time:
h=4 m=2 s=23
